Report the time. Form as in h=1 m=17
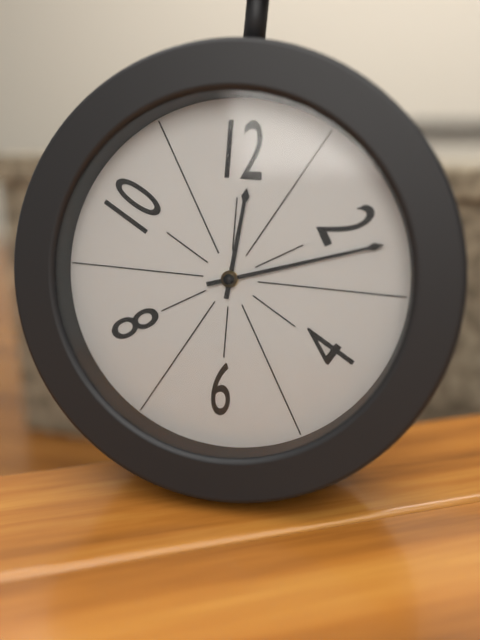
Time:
h=12 m=12
